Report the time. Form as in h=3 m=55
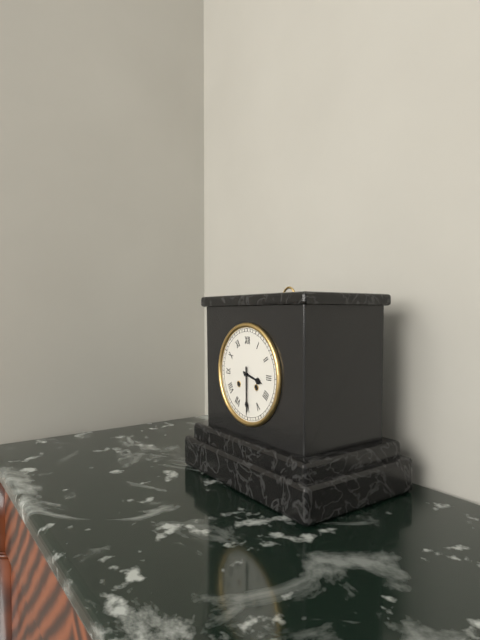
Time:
h=3 m=30
